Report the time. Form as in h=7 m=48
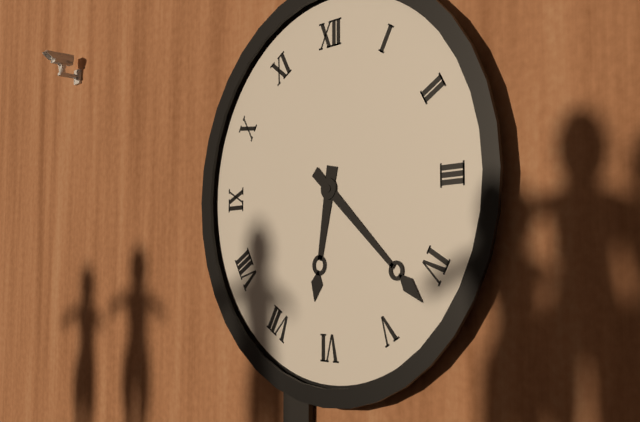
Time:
h=6 m=22
